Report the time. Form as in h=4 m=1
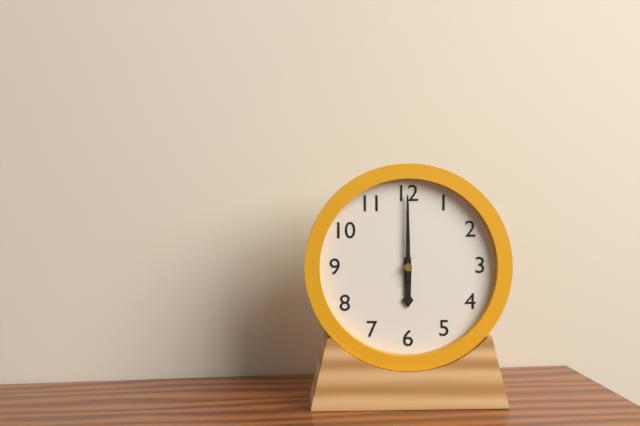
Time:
h=6 m=0
